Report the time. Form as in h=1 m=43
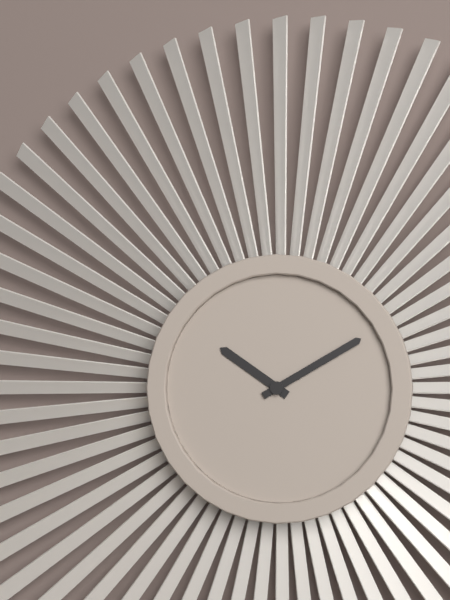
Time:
h=10 m=10
